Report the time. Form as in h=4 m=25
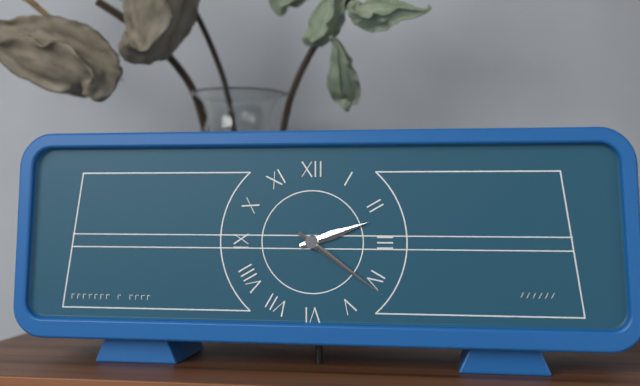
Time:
h=2 m=21
